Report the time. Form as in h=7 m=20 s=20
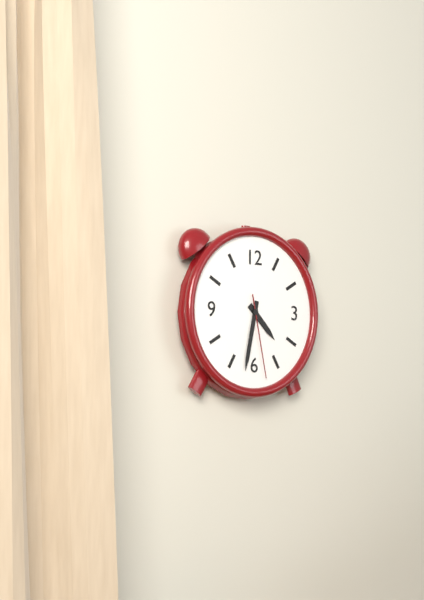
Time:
h=4 m=32 s=28
